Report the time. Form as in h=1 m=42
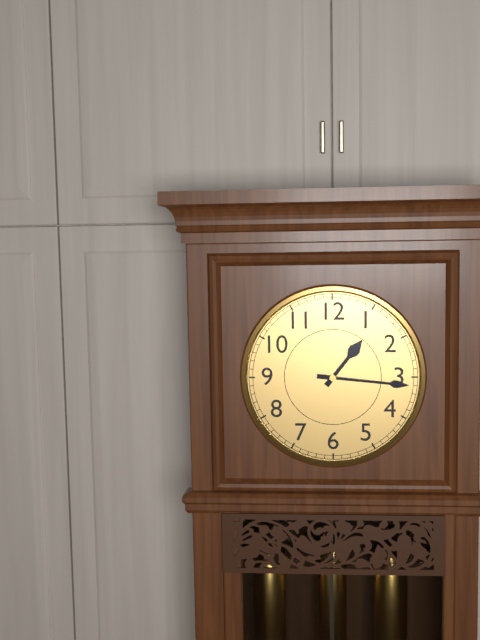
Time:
h=1 m=16
